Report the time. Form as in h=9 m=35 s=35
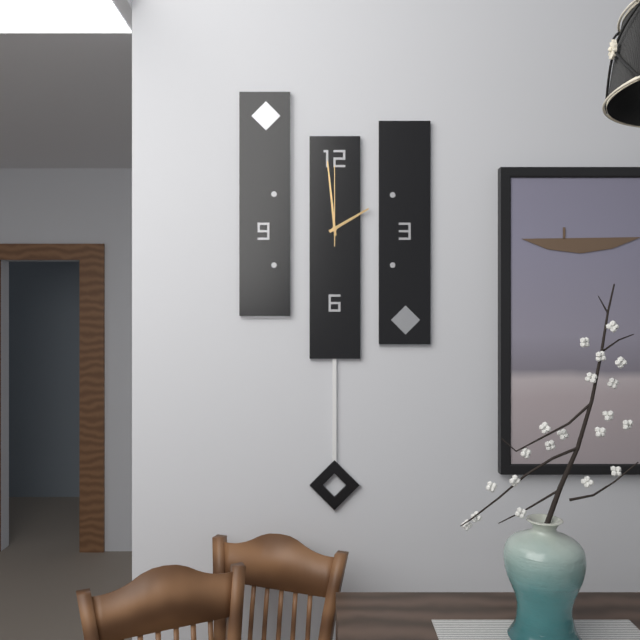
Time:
h=1 m=59 s=0
